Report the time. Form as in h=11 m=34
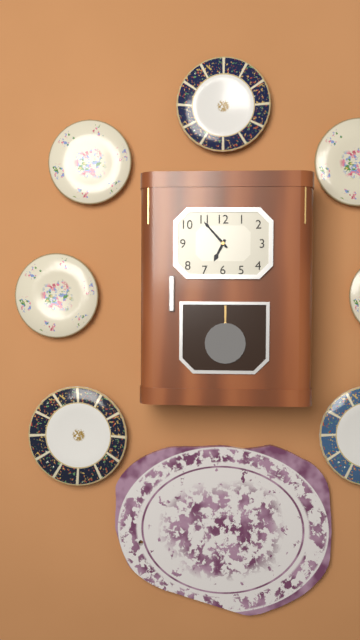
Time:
h=6 m=53
